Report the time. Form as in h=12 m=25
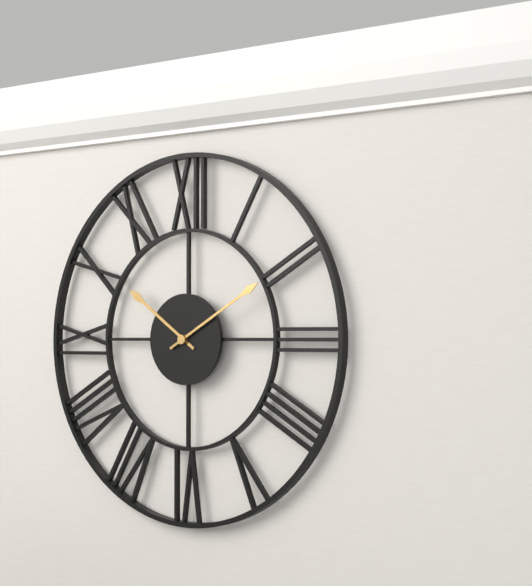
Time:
h=10 m=10
